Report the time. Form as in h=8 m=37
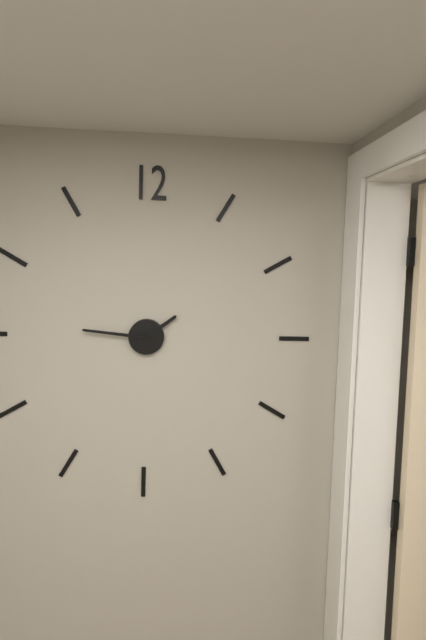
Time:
h=1 m=46
